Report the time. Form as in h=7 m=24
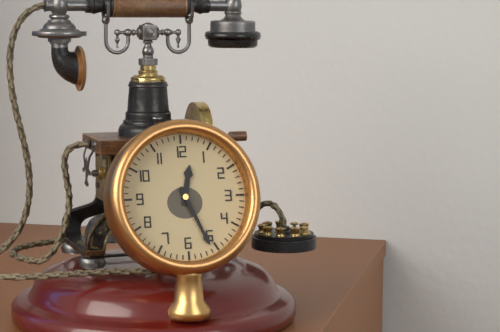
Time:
h=12 m=26
